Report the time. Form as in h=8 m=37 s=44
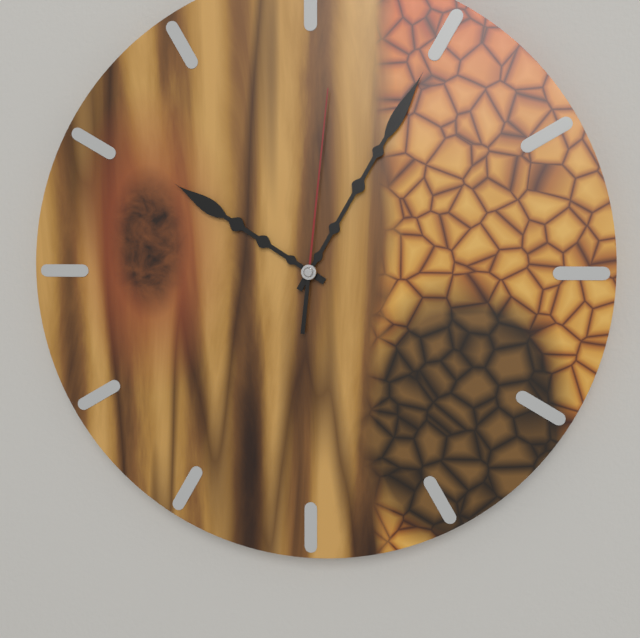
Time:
h=10 m=5 s=1
